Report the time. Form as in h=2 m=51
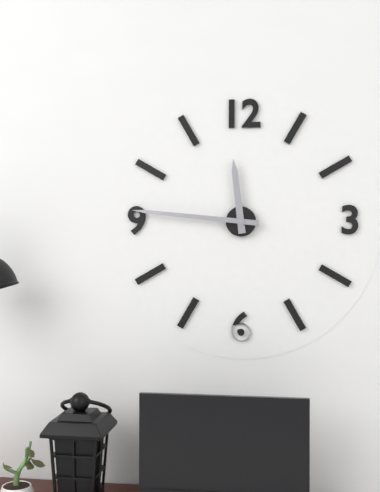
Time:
h=11 m=46
